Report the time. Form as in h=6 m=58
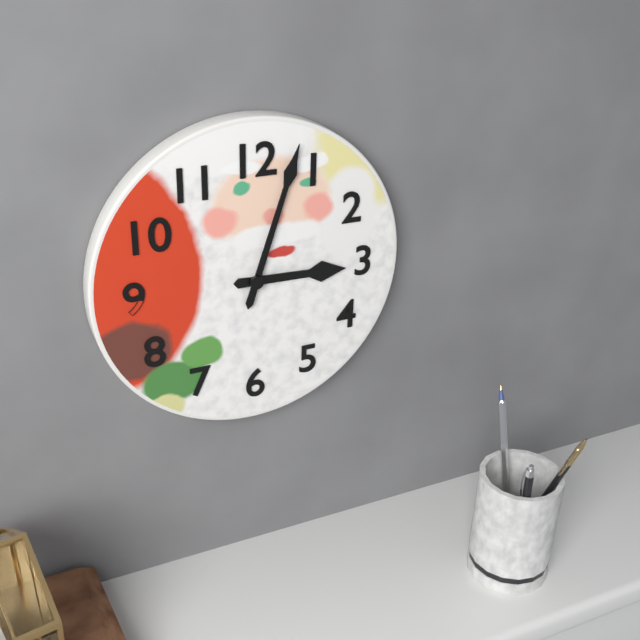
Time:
h=3 m=3
